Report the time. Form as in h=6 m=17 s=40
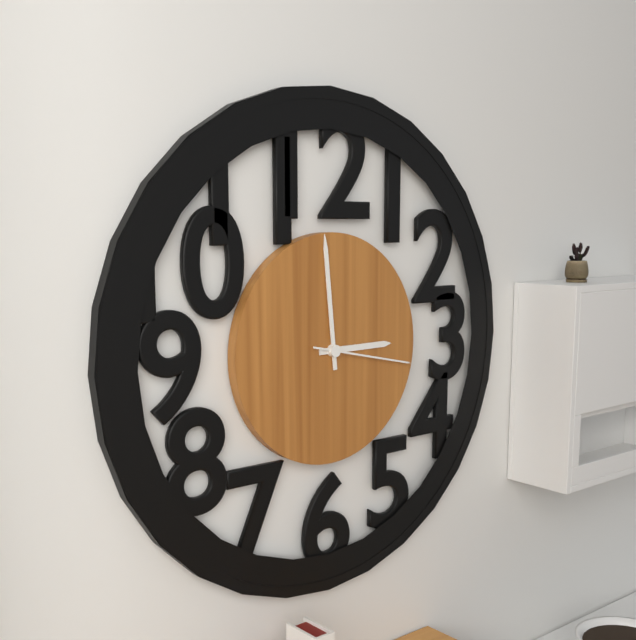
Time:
h=2 m=59 s=17
